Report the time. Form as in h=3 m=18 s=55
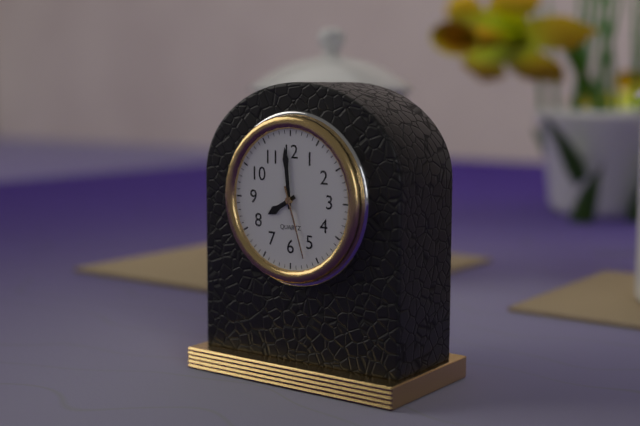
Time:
h=7 m=59 s=27
